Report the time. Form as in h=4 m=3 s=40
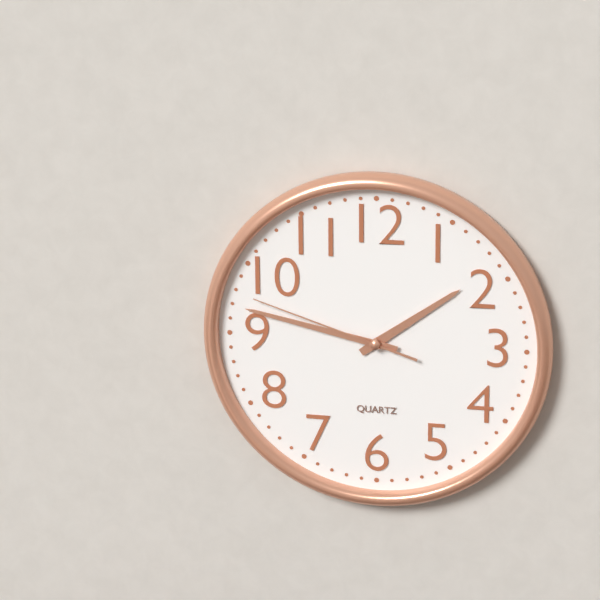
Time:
h=1 m=47 s=48
